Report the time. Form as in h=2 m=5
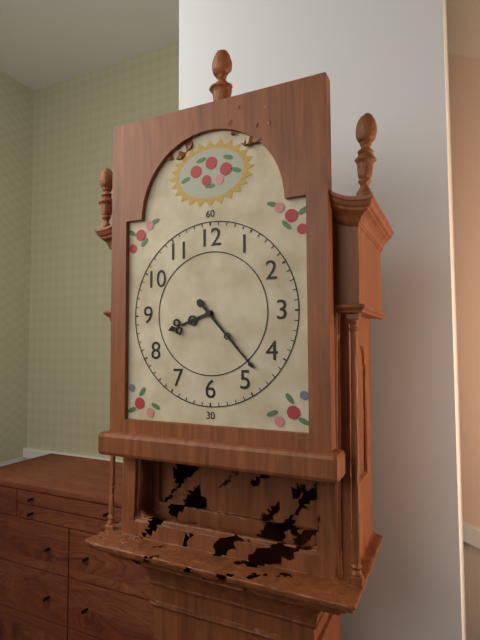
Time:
h=8 m=23
